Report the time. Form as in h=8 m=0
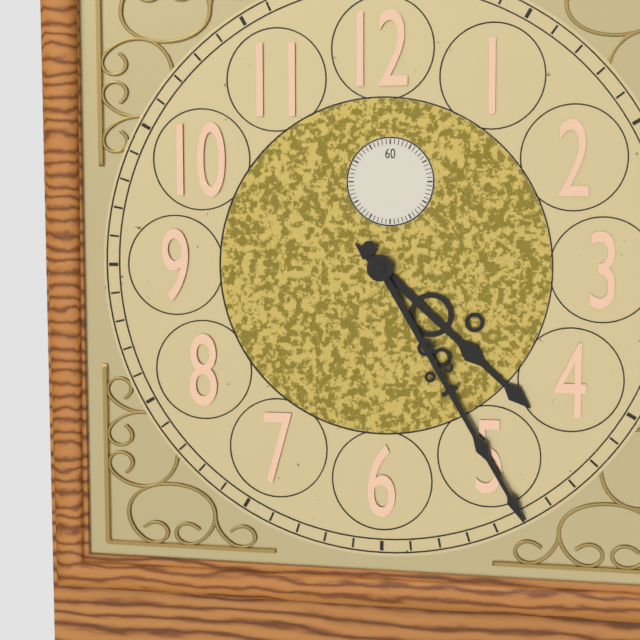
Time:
h=4 m=25
